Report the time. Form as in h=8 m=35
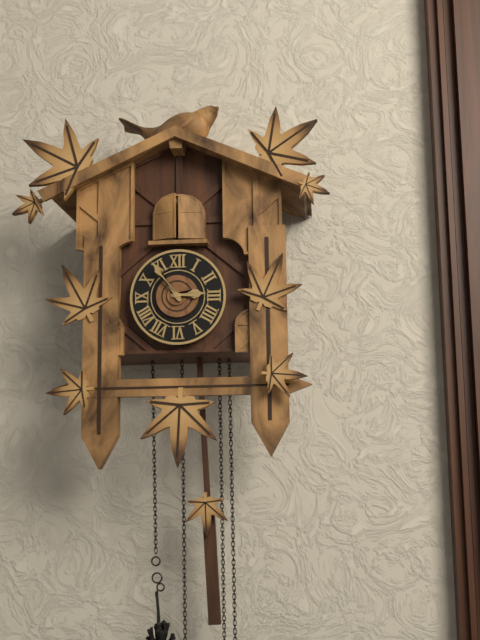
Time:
h=2 m=54
